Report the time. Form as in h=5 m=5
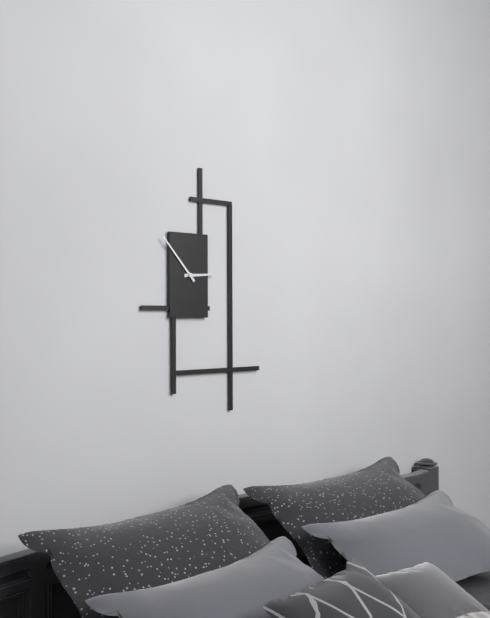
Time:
h=2 m=53
